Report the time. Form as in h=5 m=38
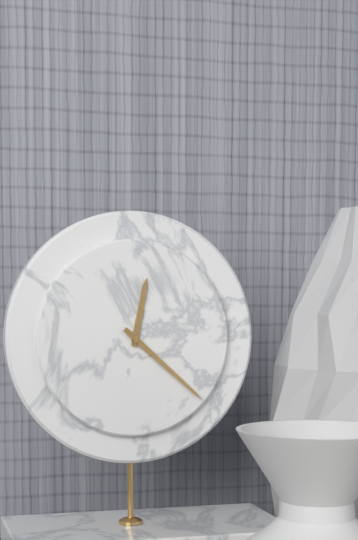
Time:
h=12 m=22
